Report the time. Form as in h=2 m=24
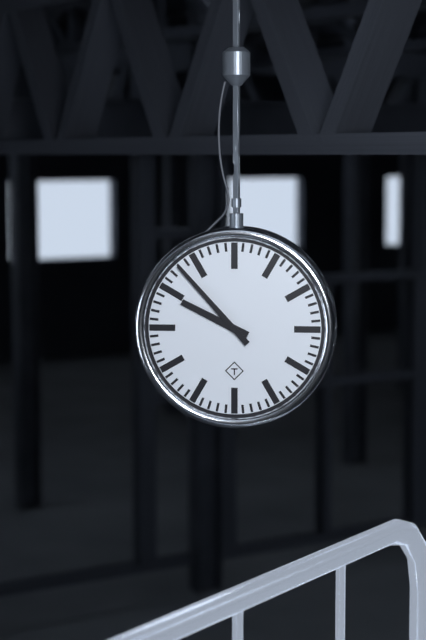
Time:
h=9 m=53
